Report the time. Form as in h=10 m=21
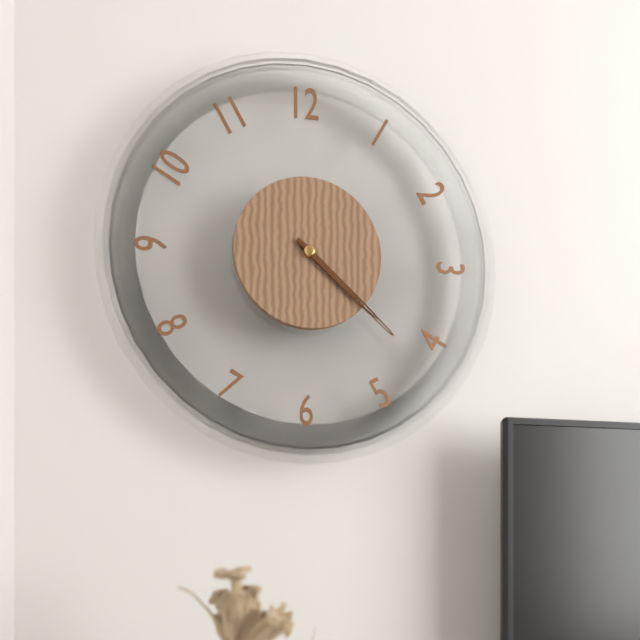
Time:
h=4 m=22
